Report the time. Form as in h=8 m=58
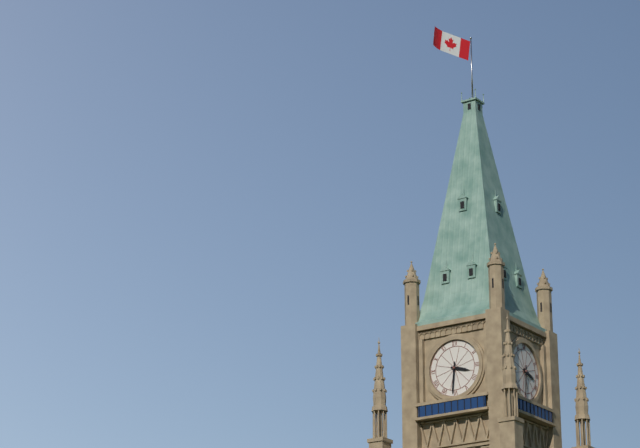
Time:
h=3 m=31
